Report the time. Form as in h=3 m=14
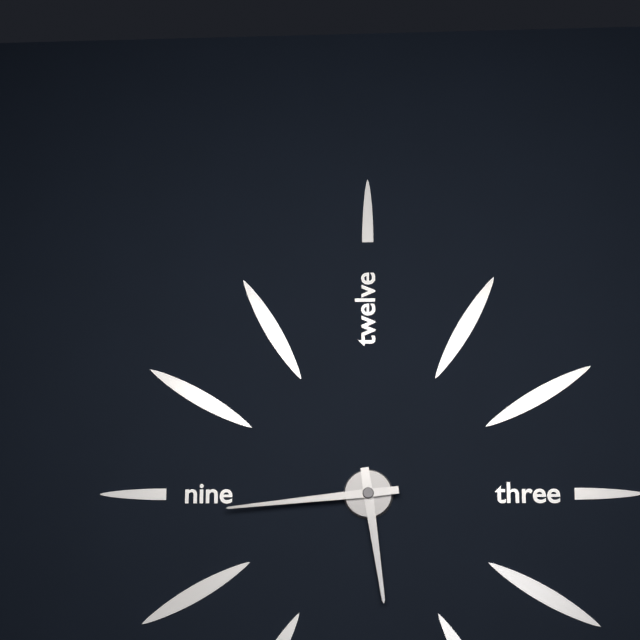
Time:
h=5 m=44
